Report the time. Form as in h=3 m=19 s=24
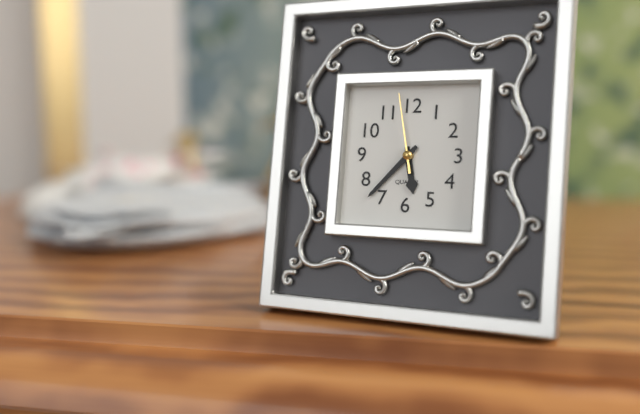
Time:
h=5 m=37 s=58
